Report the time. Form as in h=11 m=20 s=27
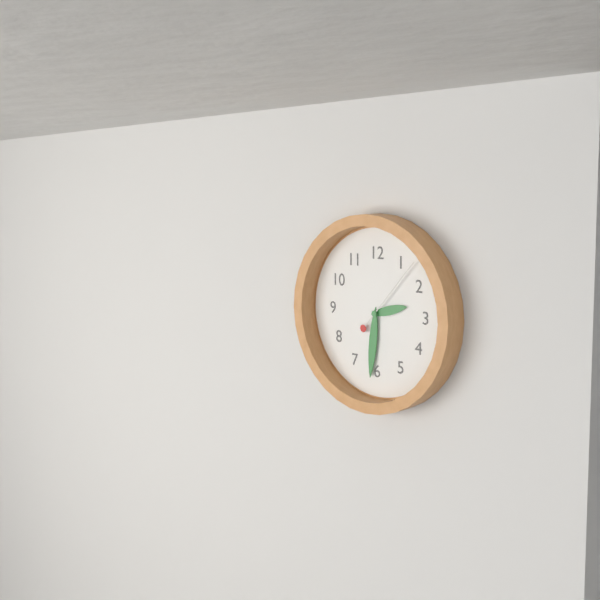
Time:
h=2 m=31 s=7
